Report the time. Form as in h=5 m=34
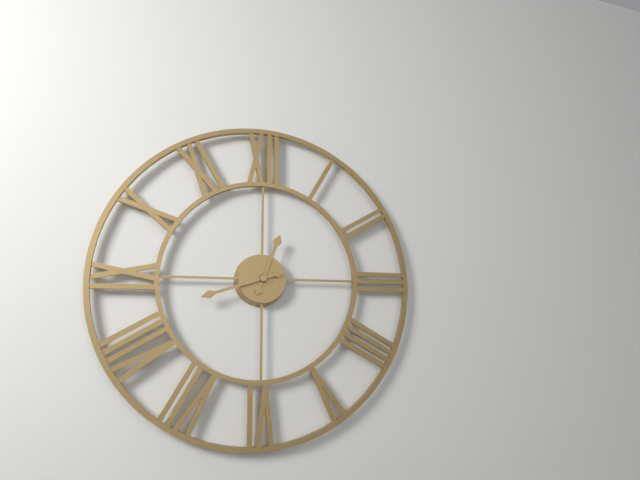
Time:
h=12 m=42
